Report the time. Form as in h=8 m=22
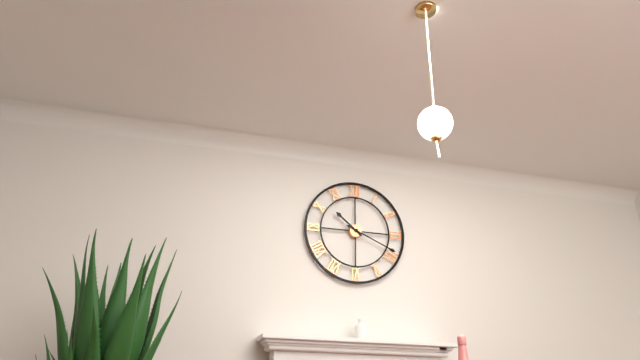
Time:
h=10 m=19
